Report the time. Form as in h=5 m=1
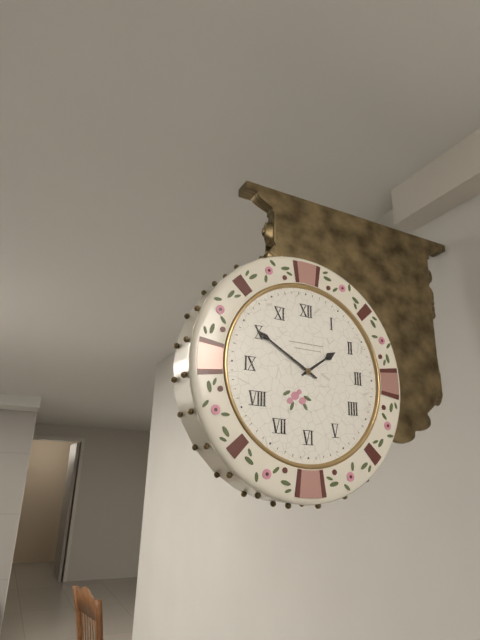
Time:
h=1 m=50
